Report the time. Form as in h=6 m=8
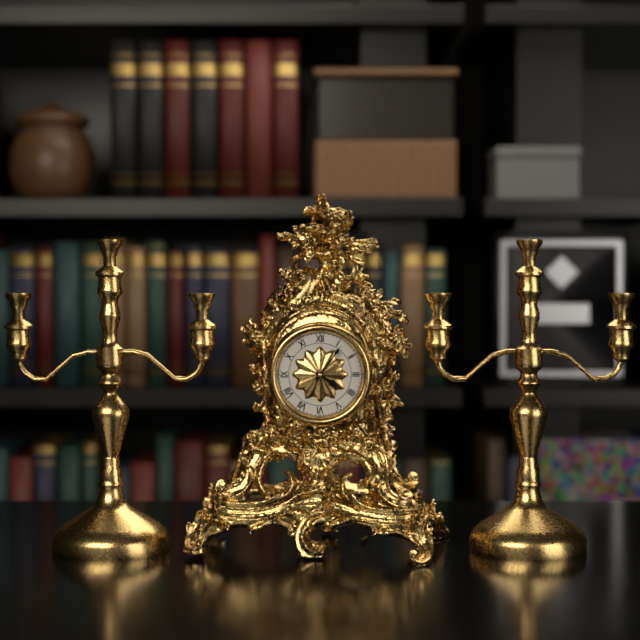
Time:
h=4 m=6
